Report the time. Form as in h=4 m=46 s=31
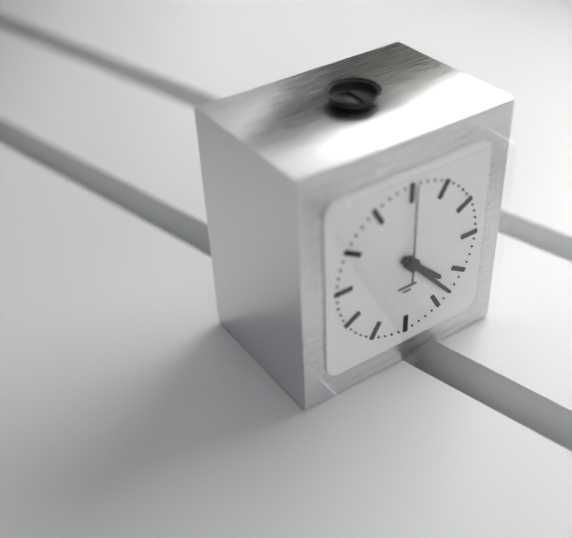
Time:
h=4 m=23 s=0
